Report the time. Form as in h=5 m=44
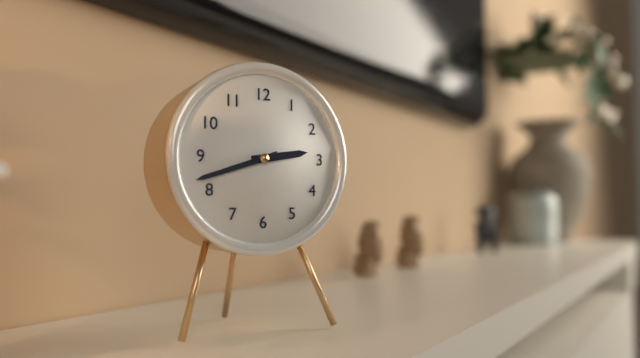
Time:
h=2 m=42
